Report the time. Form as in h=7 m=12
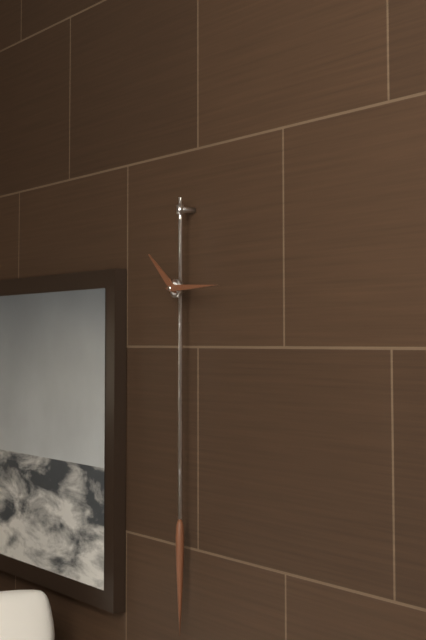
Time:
h=10 m=15
